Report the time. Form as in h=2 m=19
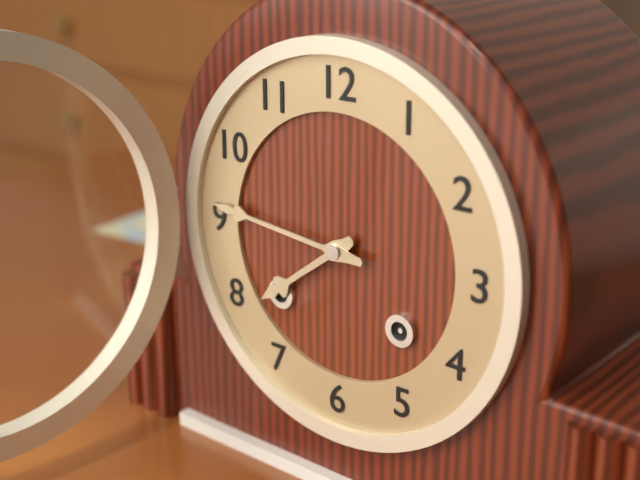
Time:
h=7 m=46
